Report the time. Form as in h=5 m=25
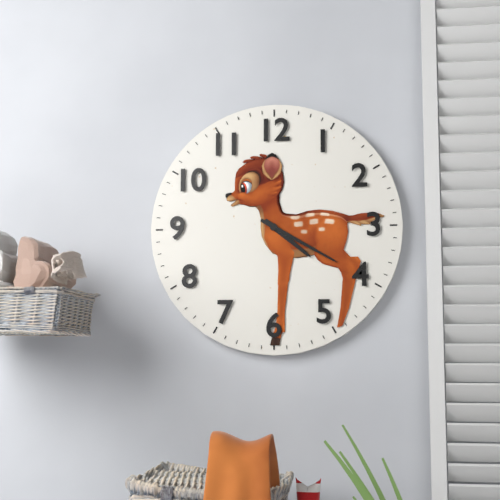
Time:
h=4 m=20
